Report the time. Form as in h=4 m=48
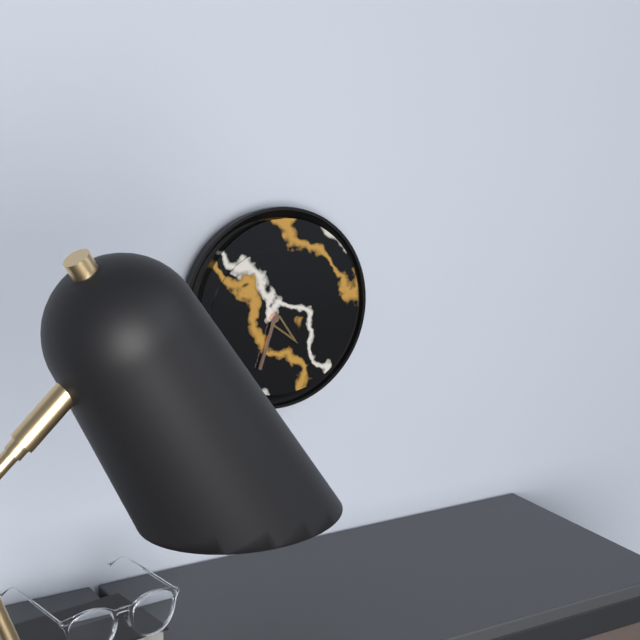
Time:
h=4 m=33
